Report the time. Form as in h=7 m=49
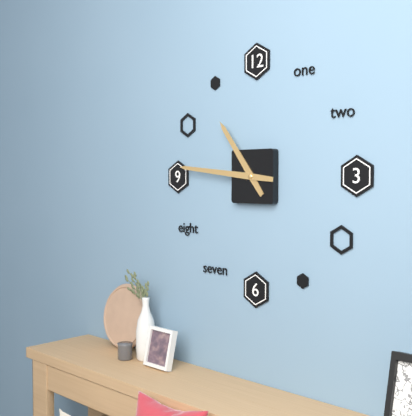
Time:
h=10 m=46
